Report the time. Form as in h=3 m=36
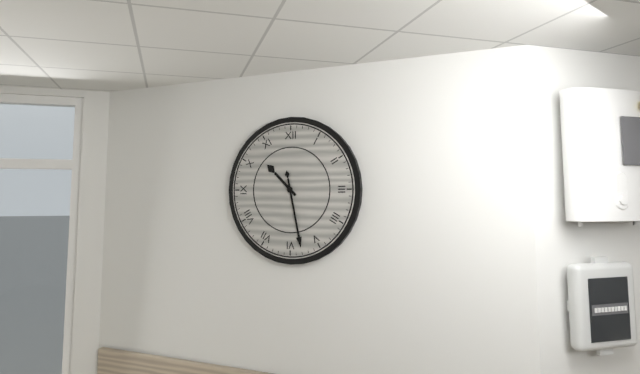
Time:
h=10 m=28
